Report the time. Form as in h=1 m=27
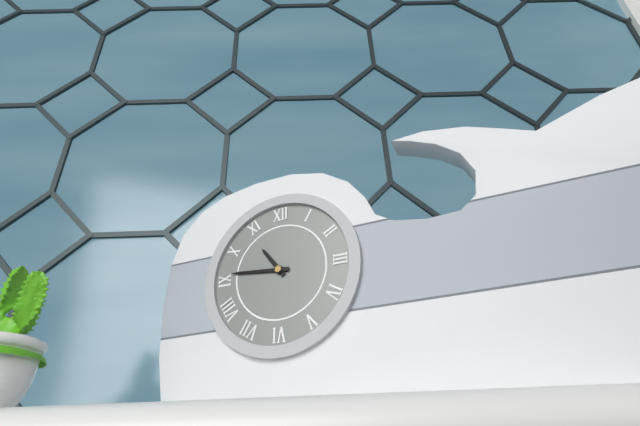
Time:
h=10 m=46
